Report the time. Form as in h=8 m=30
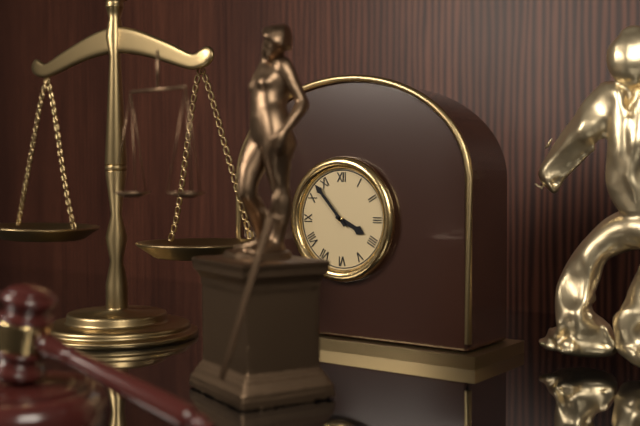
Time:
h=3 m=53
